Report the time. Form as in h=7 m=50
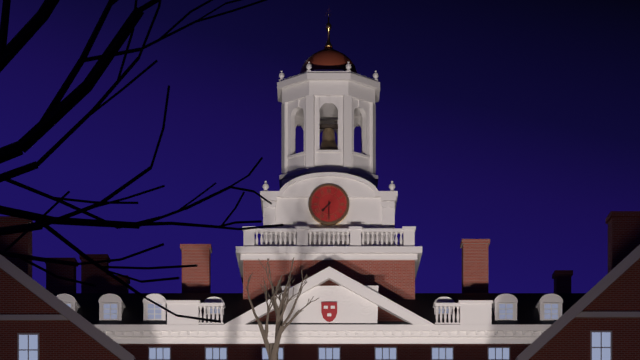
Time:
h=7 m=30
